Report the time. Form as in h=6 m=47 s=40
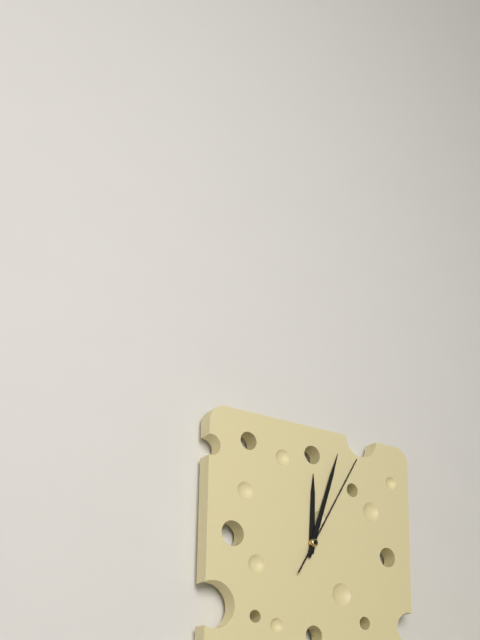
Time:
h=12 m=3 s=5
